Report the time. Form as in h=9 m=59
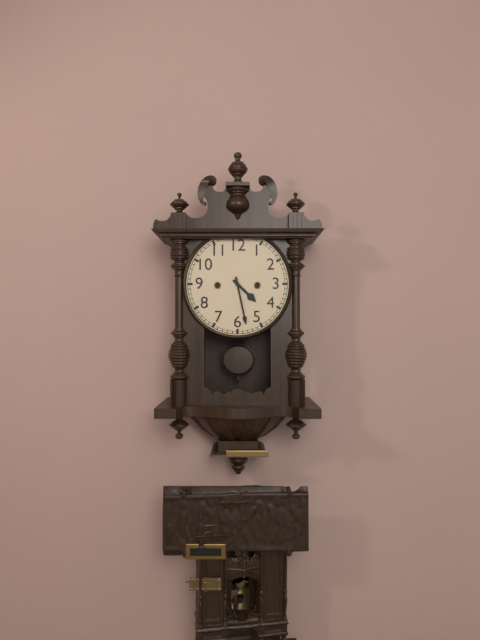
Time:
h=4 m=28
